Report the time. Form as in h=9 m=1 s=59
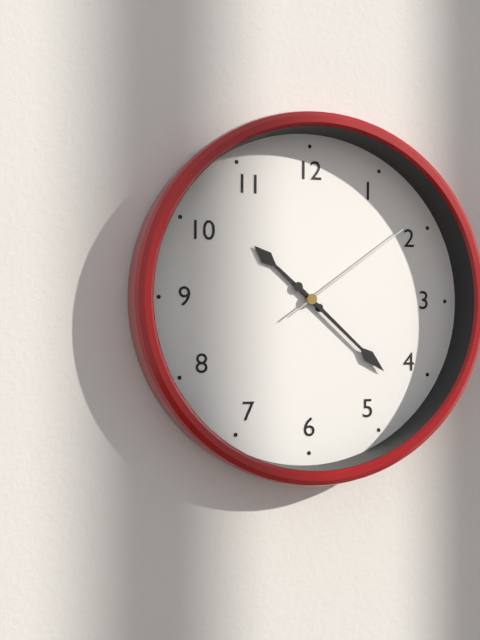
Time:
h=10 m=22 s=9
